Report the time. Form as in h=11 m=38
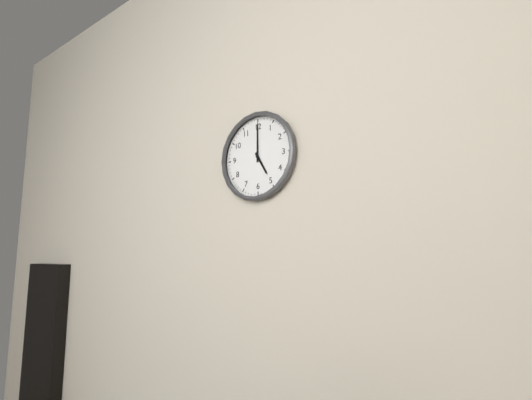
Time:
h=5 m=0
